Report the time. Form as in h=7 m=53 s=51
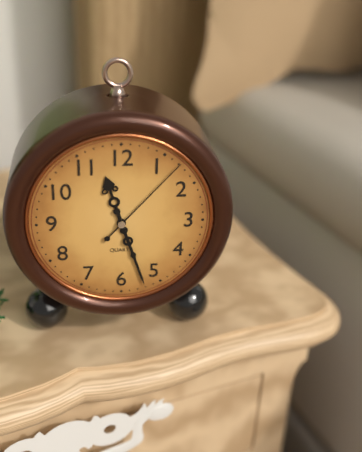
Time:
h=11 m=27 s=7
